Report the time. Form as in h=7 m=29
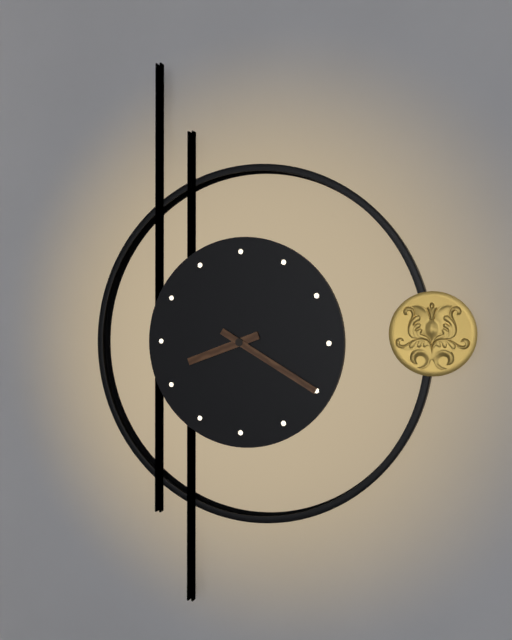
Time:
h=8 m=20
